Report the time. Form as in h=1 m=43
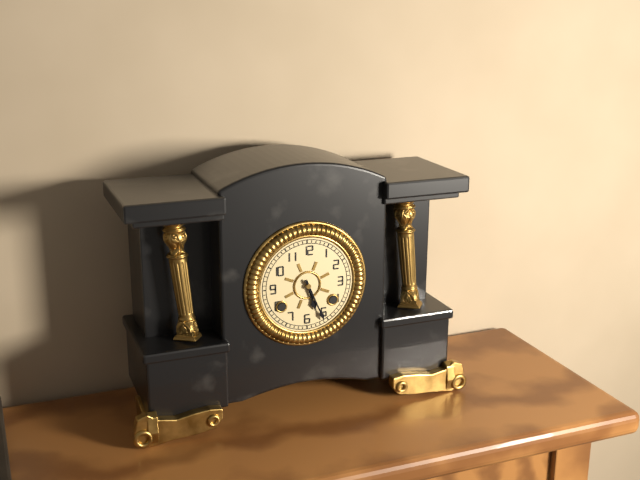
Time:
h=5 m=26
